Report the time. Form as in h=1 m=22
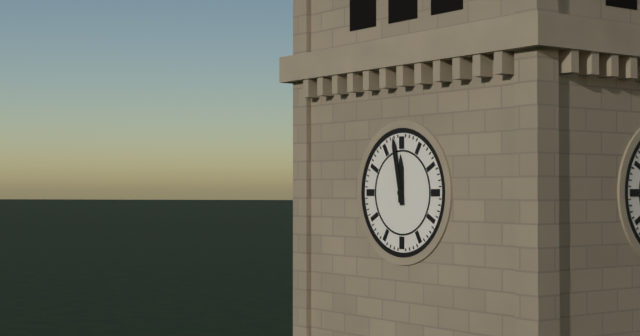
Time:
h=11 m=58
